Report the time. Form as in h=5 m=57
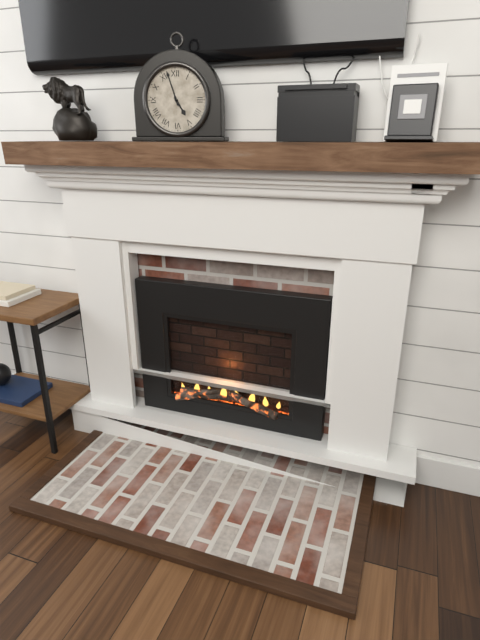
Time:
h=4 m=57
